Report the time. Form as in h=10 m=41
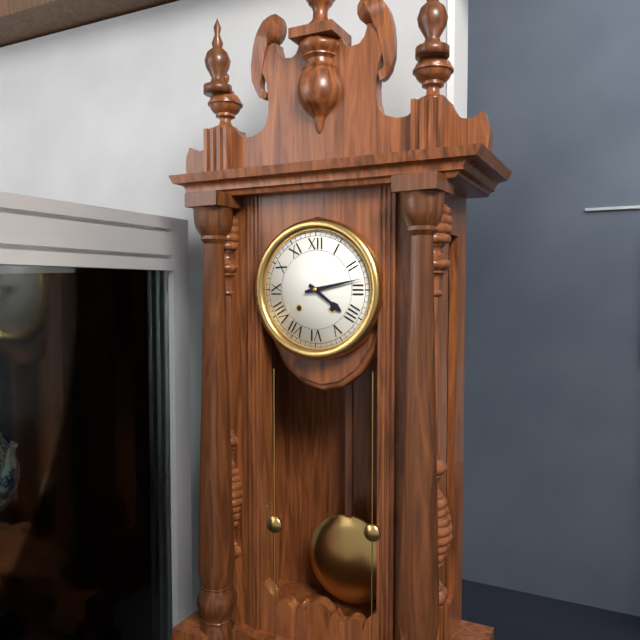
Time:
h=4 m=13
